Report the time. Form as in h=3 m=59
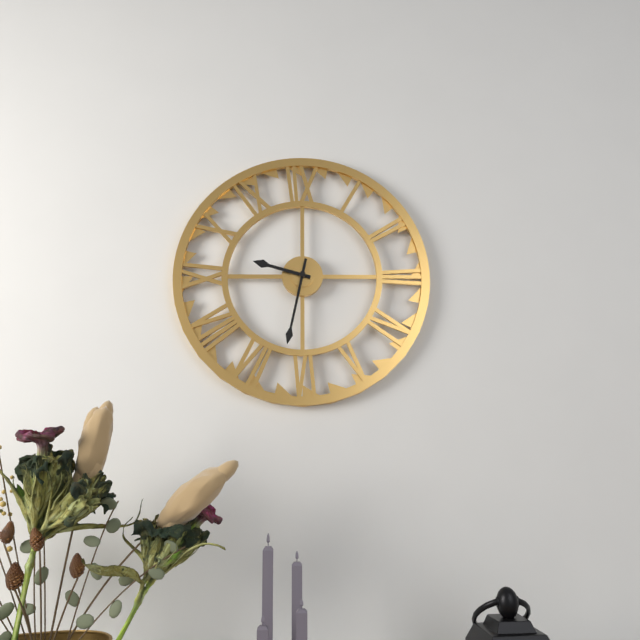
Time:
h=9 m=32
